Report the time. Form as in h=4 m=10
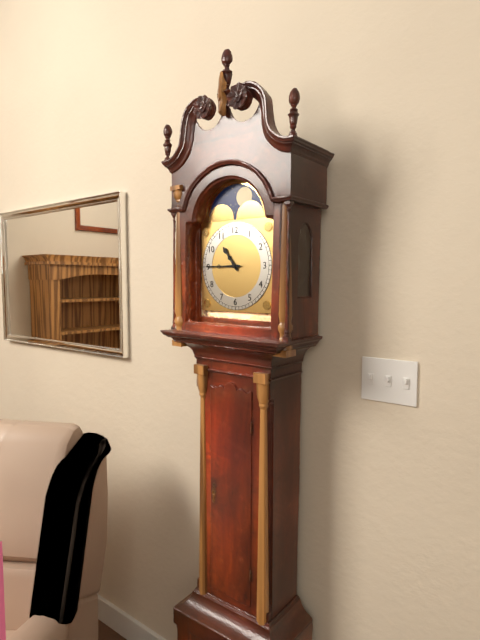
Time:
h=10 m=45
